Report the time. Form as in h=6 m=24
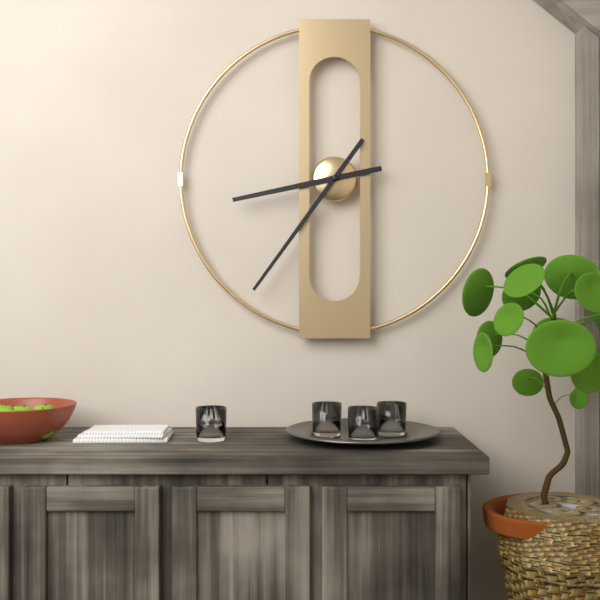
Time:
h=8 m=36
